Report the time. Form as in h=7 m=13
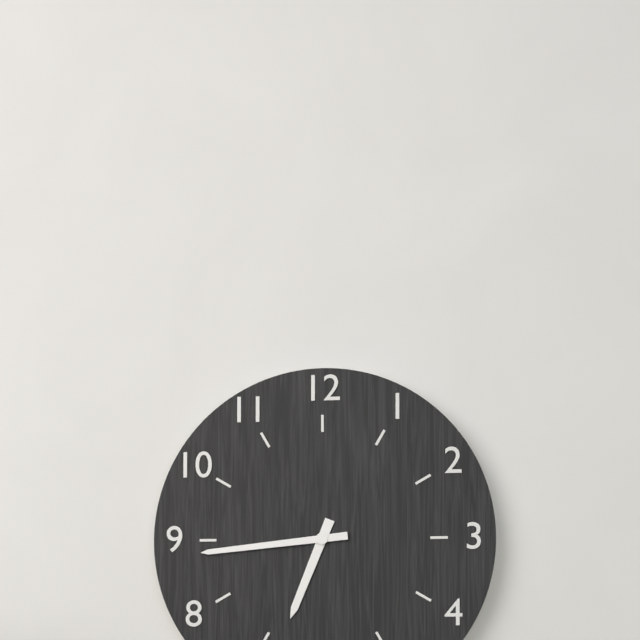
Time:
h=6 m=44
